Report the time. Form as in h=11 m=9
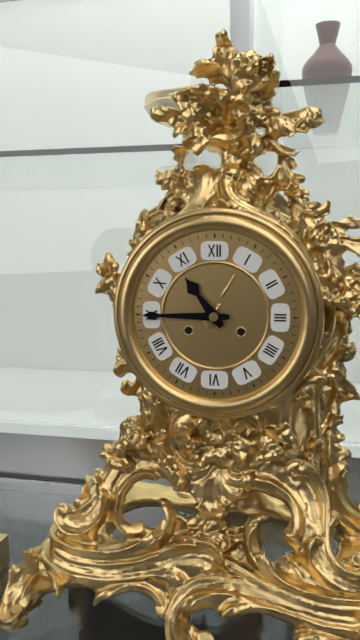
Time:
h=10 m=45
